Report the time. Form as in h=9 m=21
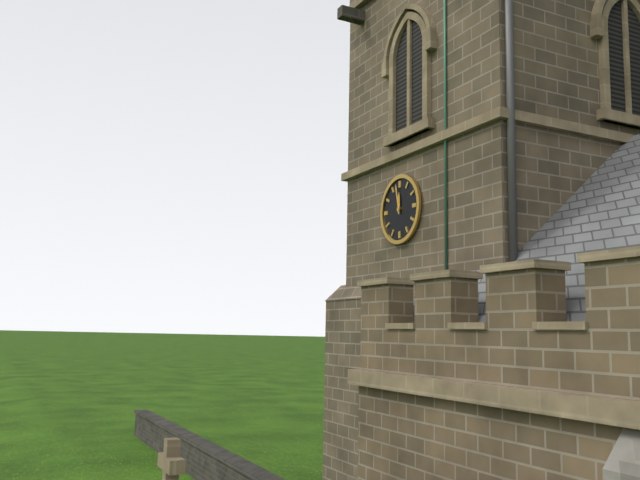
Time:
h=11 m=58
